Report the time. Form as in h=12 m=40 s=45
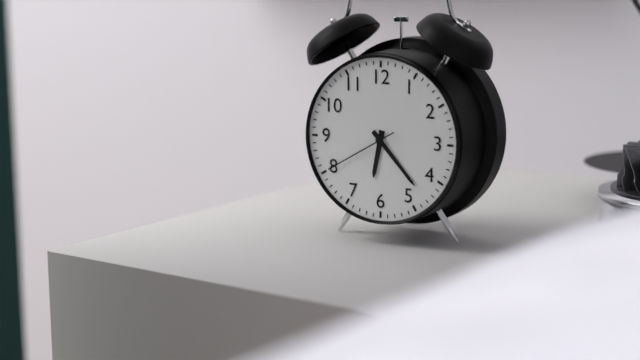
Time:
h=6 m=23 s=40
